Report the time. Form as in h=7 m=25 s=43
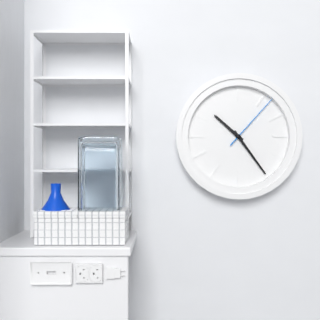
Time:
h=10 m=24 s=7
